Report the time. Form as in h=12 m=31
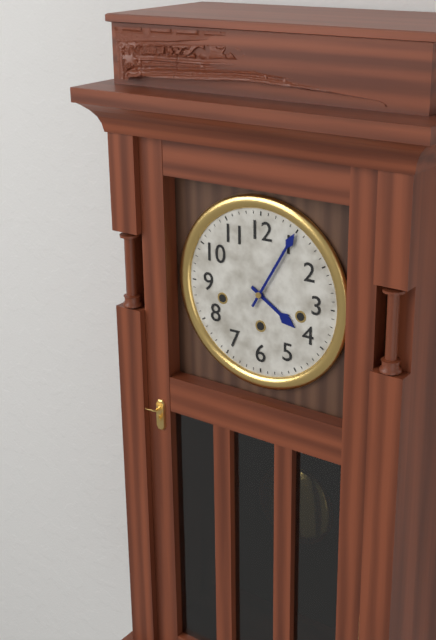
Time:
h=4 m=5
